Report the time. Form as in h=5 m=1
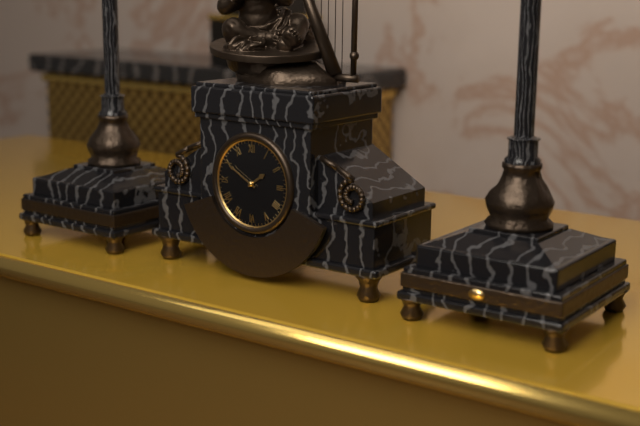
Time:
h=1 m=50
